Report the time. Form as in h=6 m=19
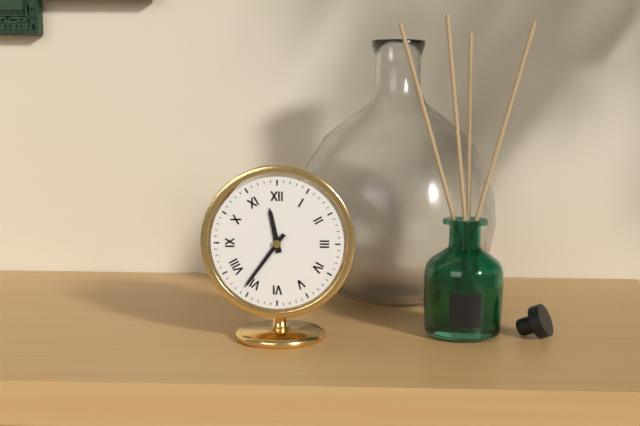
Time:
h=11 m=36
